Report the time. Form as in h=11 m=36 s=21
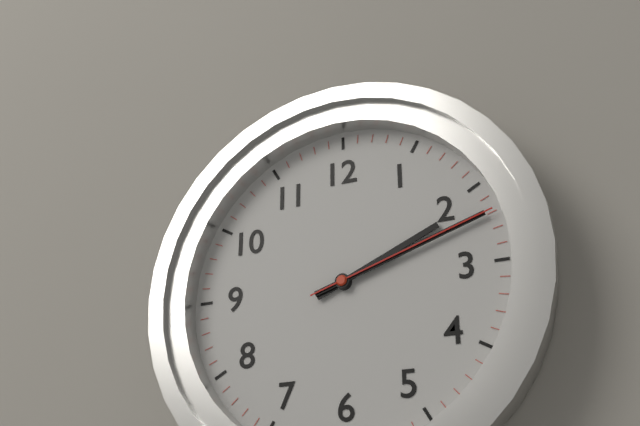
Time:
h=2 m=12 s=12
